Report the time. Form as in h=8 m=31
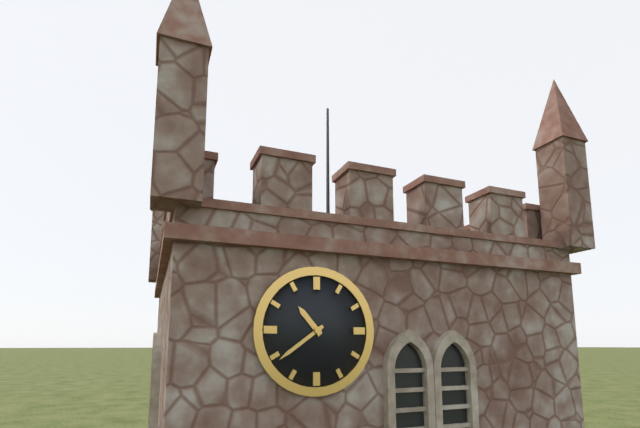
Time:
h=10 m=39
